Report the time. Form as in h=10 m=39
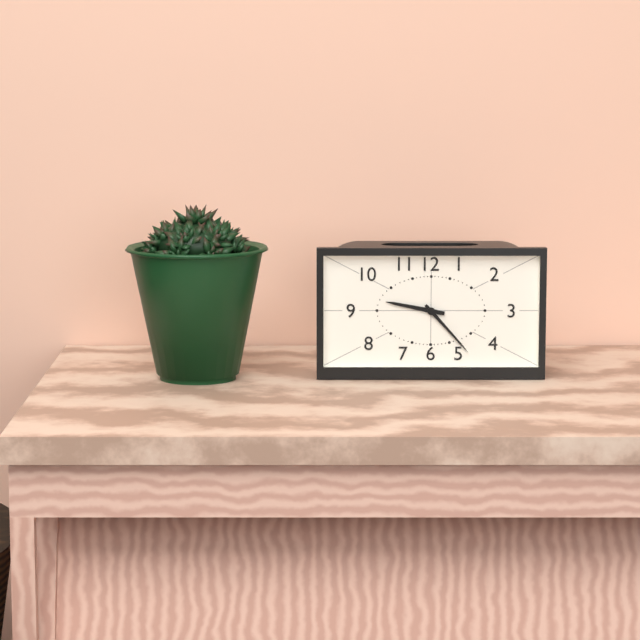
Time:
h=9 m=23
